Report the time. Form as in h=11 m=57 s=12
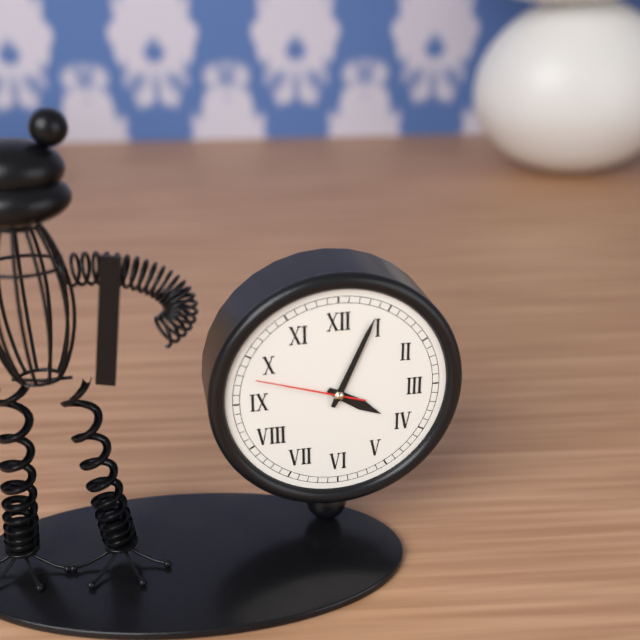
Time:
h=4 m=4 s=48
